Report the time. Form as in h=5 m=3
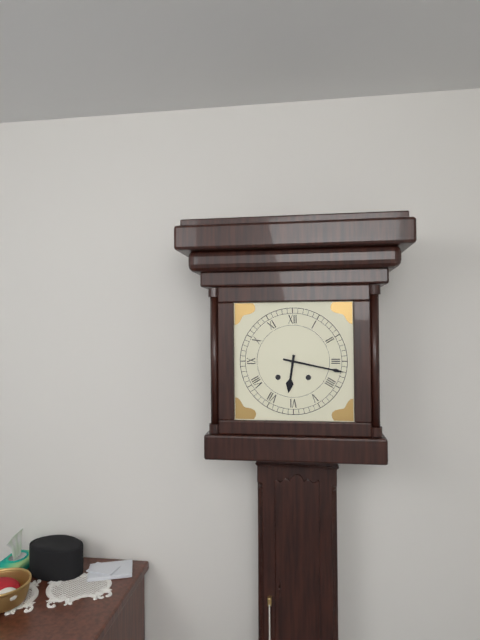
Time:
h=6 m=17
